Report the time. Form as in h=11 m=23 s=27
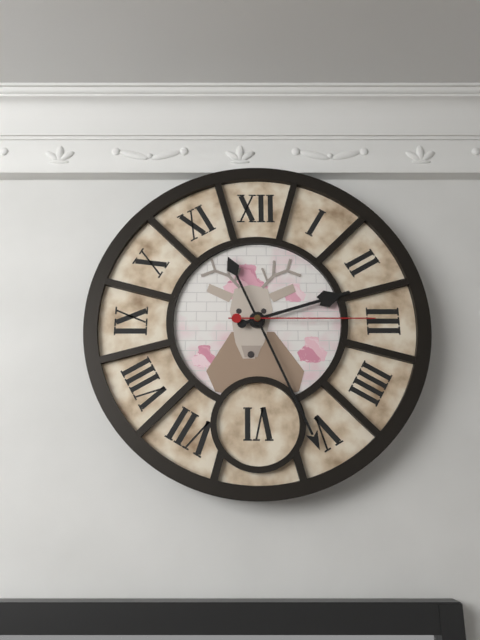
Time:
h=2 m=26 s=15
